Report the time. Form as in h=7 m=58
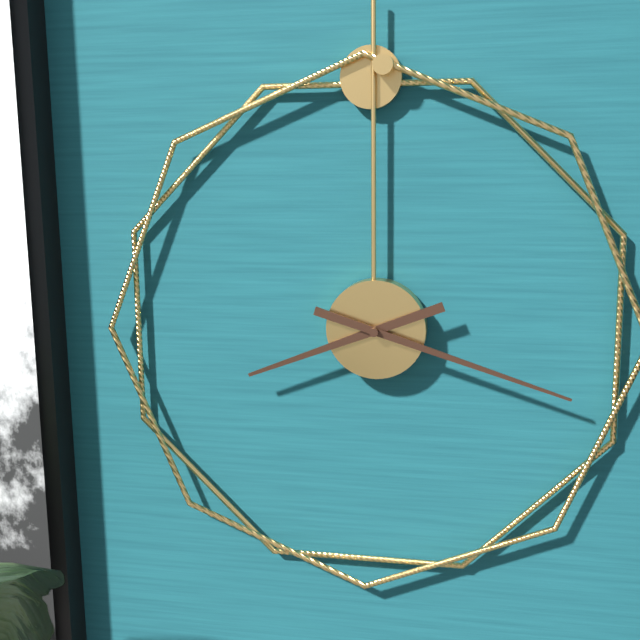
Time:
h=8 m=18
